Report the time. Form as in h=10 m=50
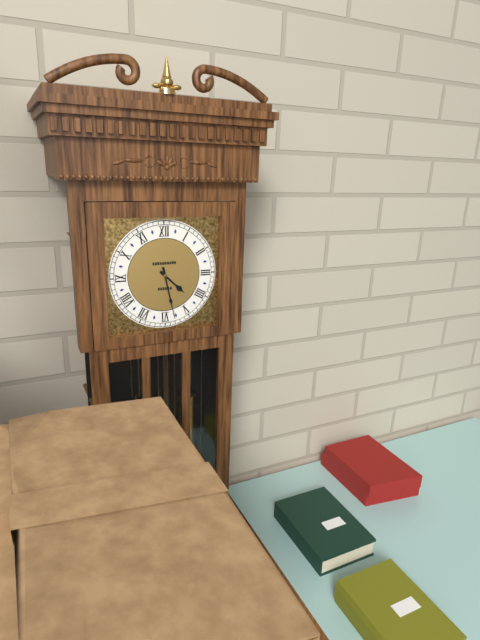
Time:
h=4 m=28
